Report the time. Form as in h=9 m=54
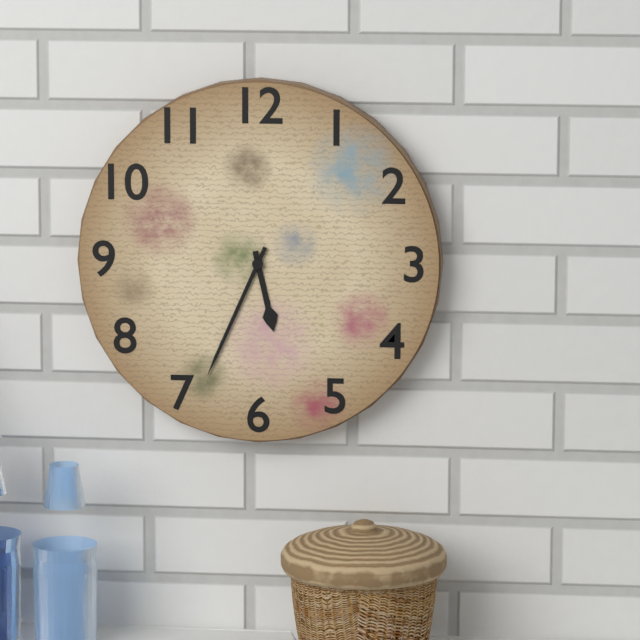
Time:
h=5 m=34
